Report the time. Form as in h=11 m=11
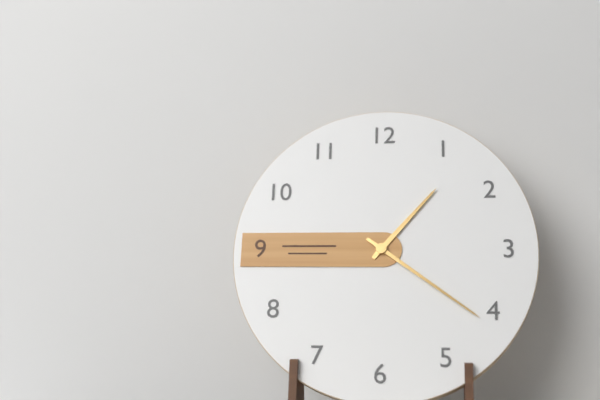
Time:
h=1 m=21
